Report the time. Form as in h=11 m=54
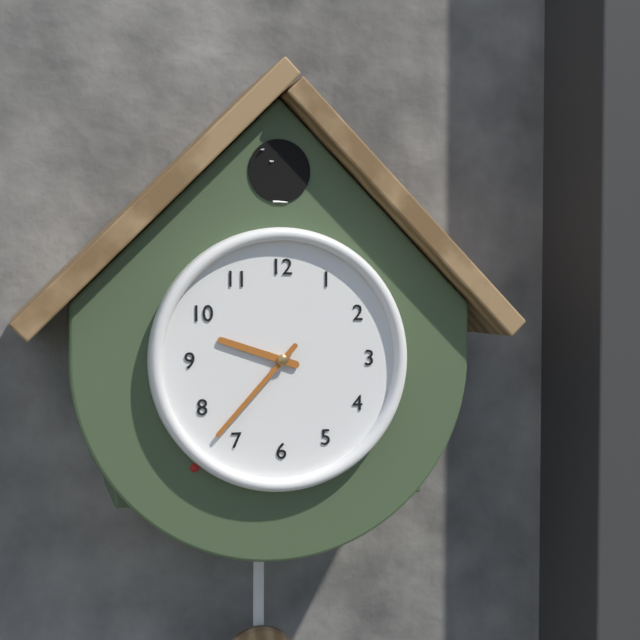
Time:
h=9 m=37
